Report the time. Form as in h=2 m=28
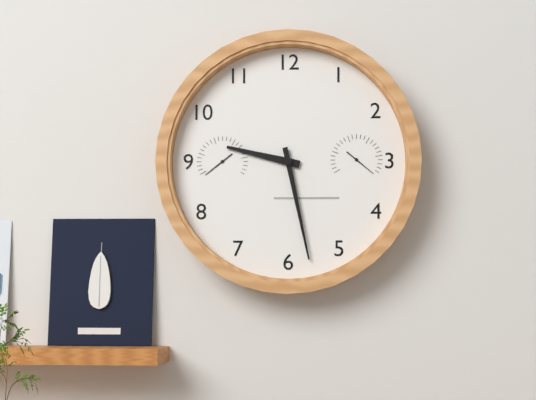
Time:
h=9 m=28
